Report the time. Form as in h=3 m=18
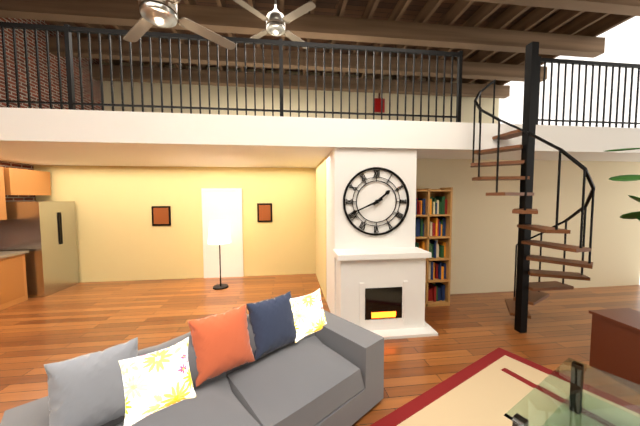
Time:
h=1 m=41
